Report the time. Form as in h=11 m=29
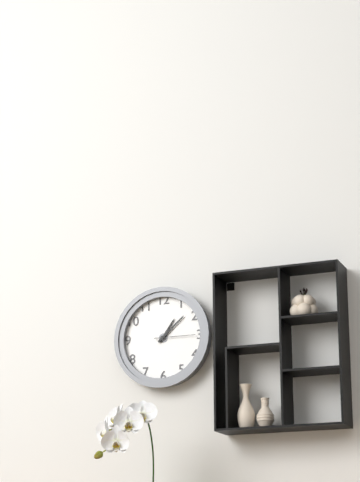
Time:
h=1 m=8
